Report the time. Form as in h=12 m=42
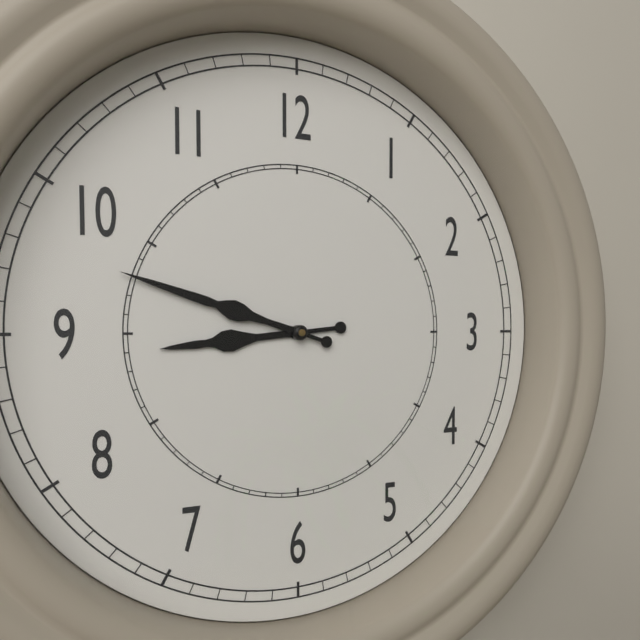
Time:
h=8 m=48
